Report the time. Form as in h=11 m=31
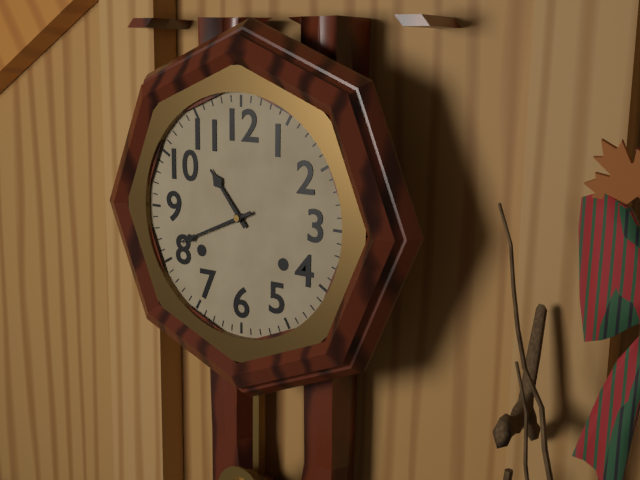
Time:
h=10 m=41
